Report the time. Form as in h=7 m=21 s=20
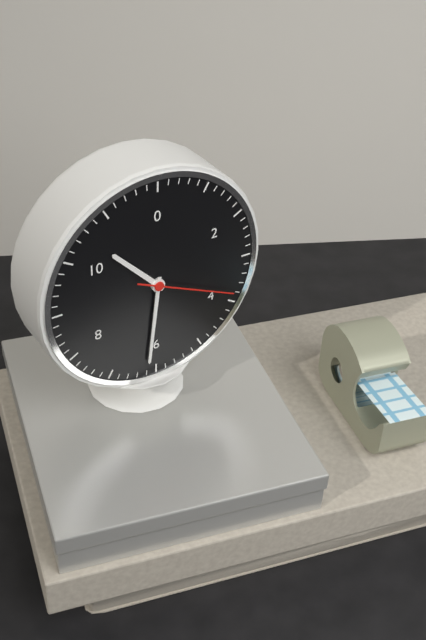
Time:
h=10 m=31 s=19
